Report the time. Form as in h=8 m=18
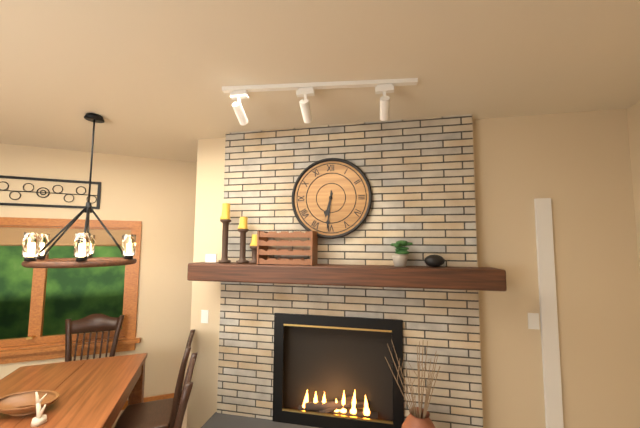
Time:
h=6 m=31
